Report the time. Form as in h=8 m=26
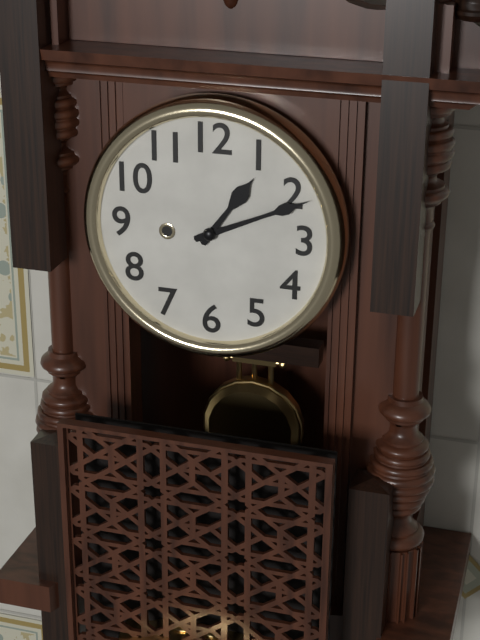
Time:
h=1 m=11
